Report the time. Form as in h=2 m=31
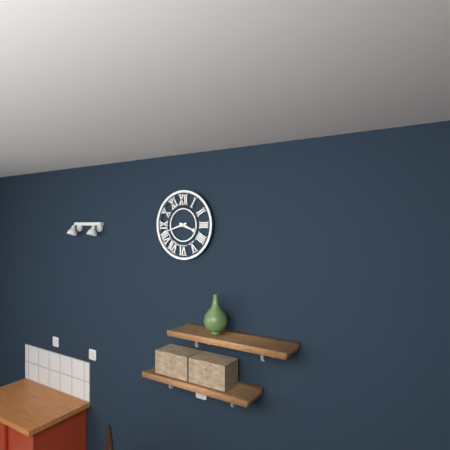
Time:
h=3 m=42
